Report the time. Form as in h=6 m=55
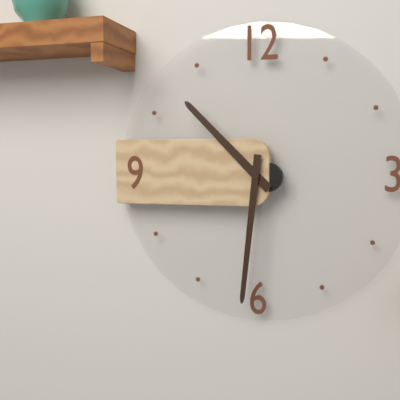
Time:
h=10 m=31
